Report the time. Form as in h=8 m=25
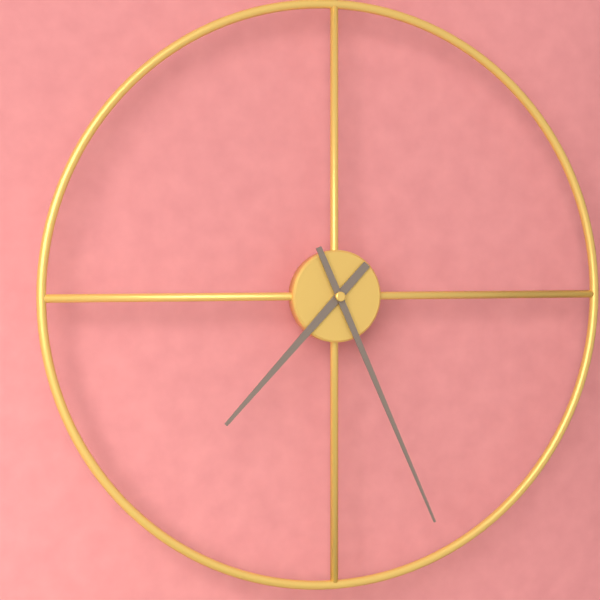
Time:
h=7 m=26
